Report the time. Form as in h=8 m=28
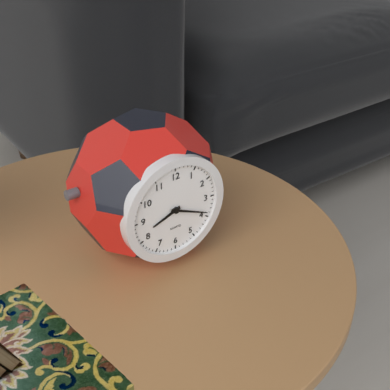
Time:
h=8 m=19
